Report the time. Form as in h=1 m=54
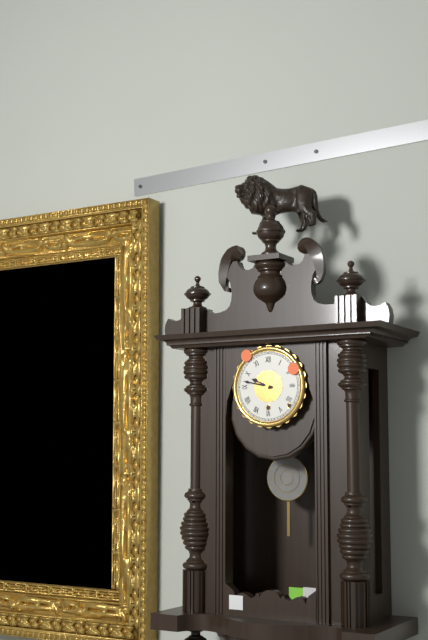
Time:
h=9 m=47
